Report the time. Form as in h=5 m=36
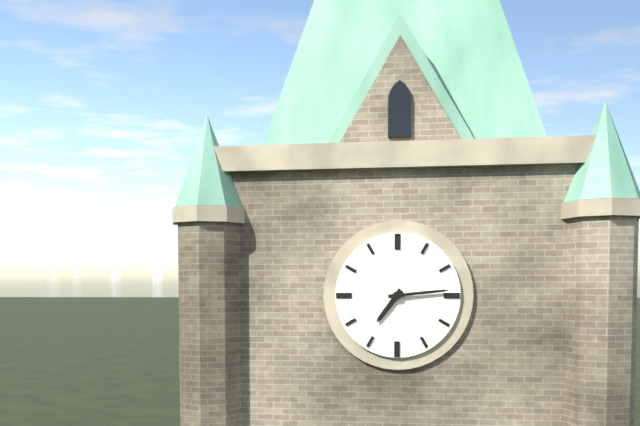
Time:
h=7 m=14
